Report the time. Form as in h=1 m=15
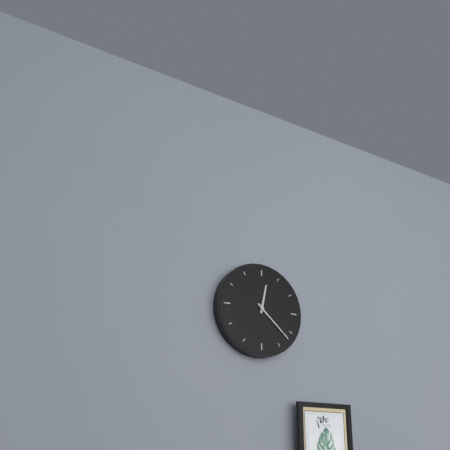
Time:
h=12 m=22
